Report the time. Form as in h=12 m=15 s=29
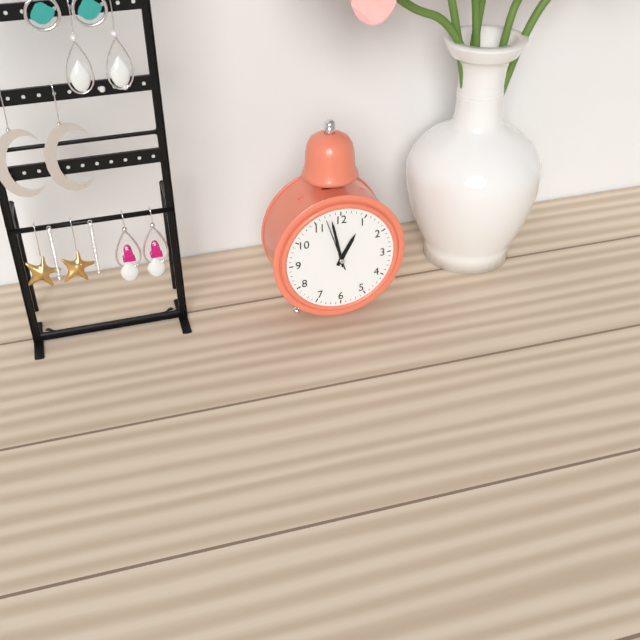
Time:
h=12 m=58 s=57
